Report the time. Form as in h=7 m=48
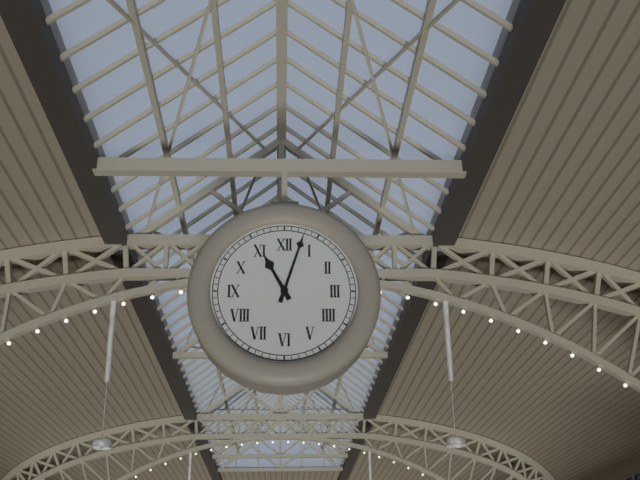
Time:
h=11 m=3
